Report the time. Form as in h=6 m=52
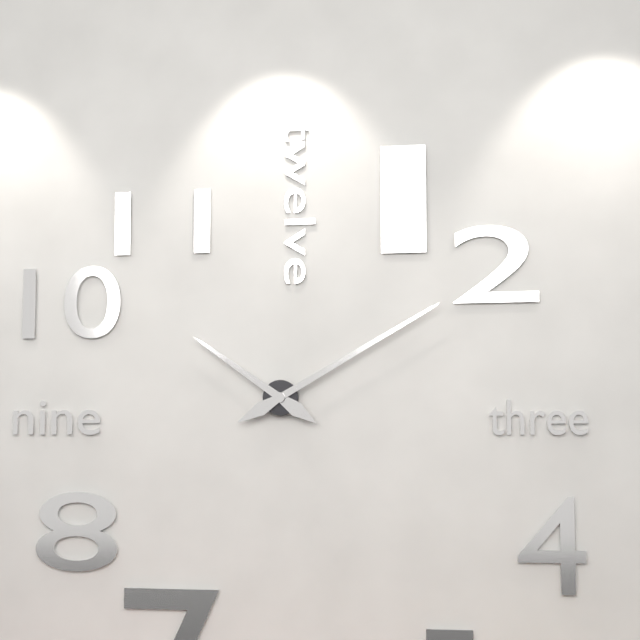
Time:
h=10 m=10
